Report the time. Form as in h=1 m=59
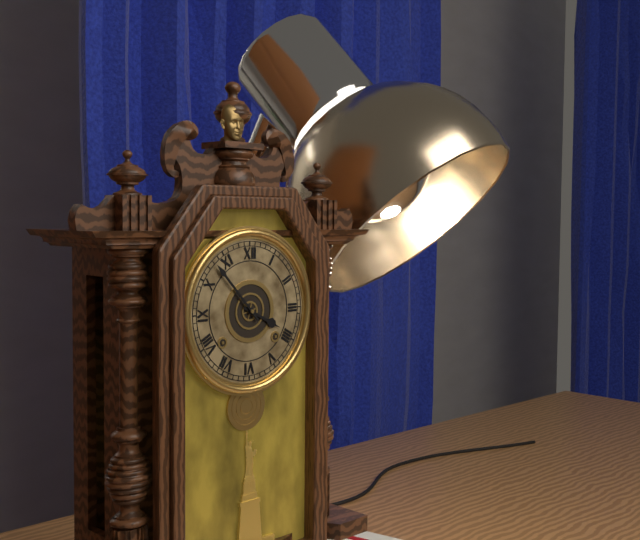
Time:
h=3 m=53
